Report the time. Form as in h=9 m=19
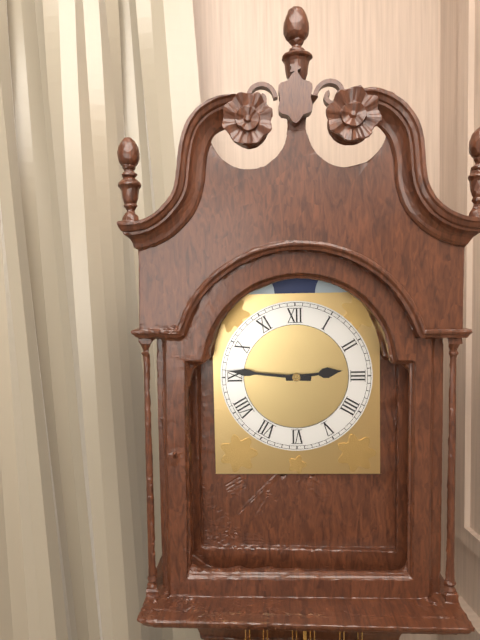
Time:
h=2 m=46
